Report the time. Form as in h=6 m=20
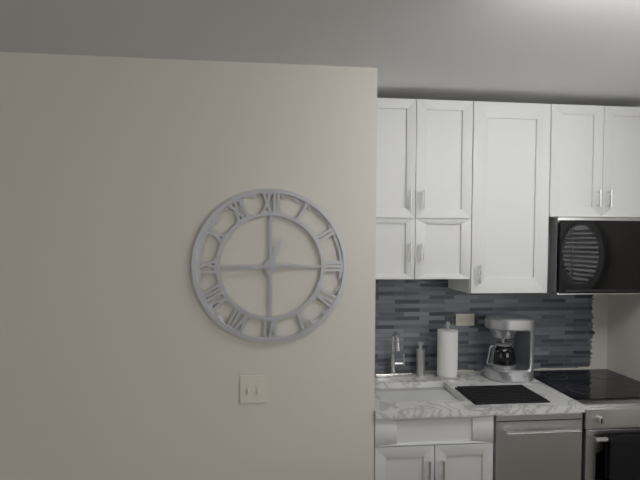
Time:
h=12 m=44
